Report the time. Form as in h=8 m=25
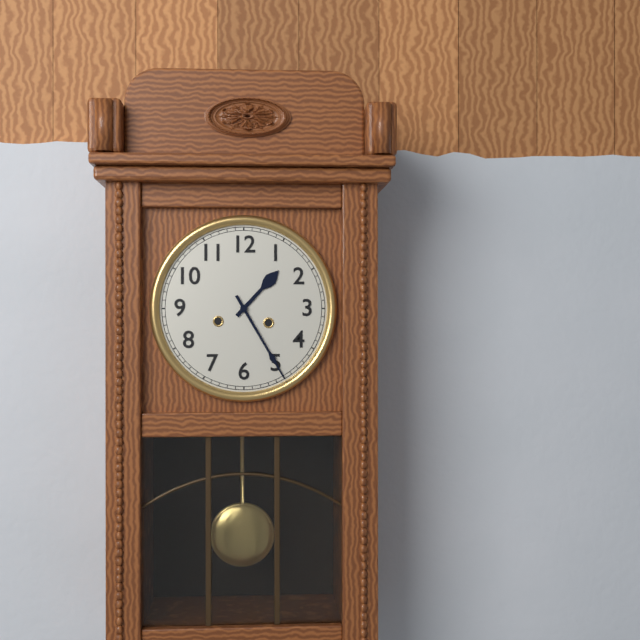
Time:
h=1 m=25
